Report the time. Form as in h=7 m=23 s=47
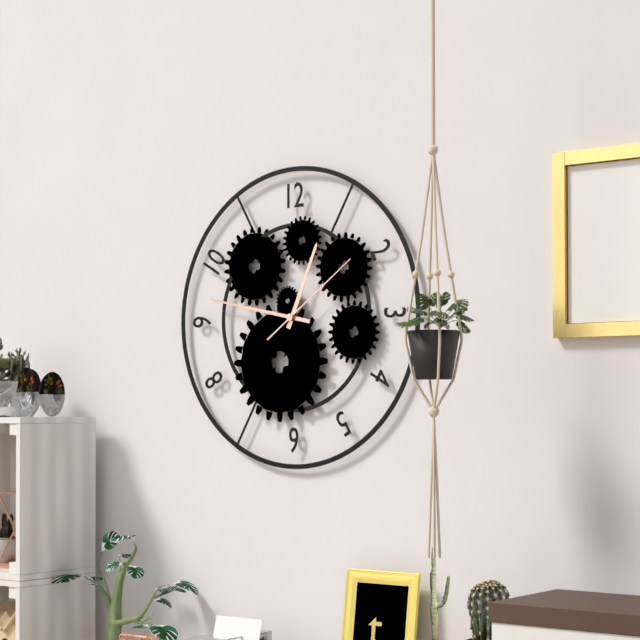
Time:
h=12 m=47 s=9
